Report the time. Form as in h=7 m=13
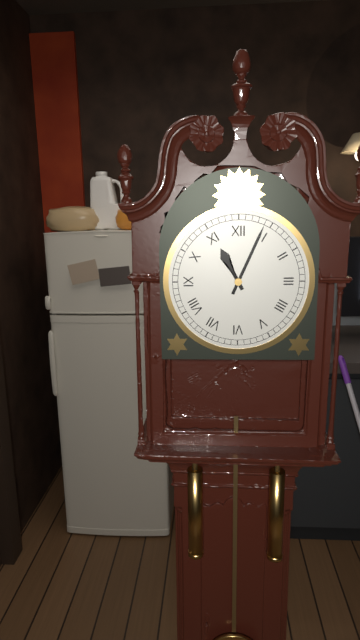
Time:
h=11 m=4
